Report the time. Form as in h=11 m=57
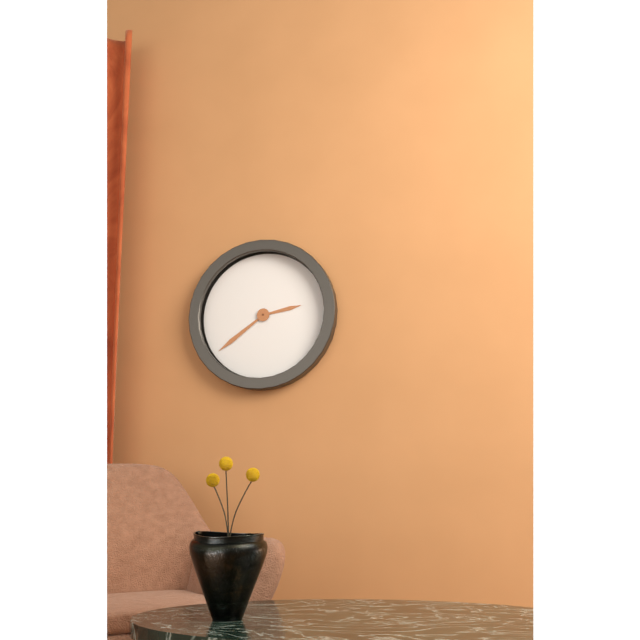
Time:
h=2 m=39
